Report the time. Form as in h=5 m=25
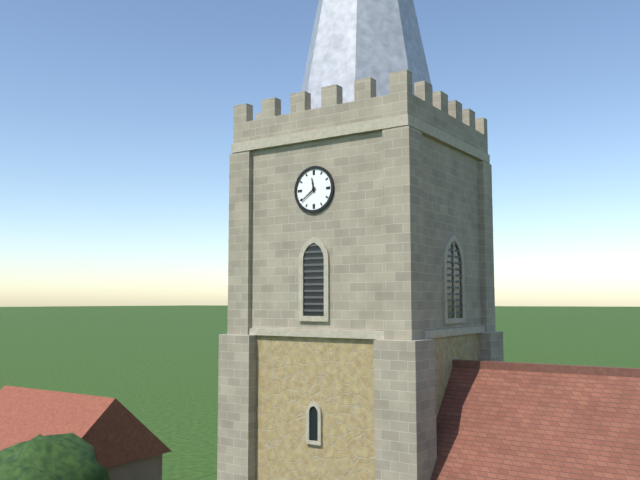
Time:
h=11 m=39
